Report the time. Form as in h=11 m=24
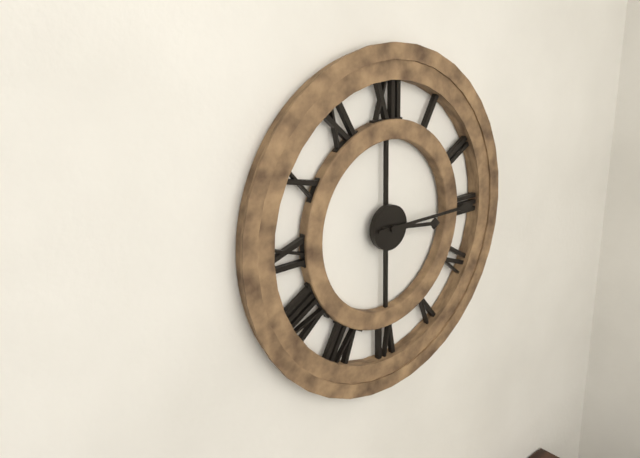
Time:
h=3 m=15
